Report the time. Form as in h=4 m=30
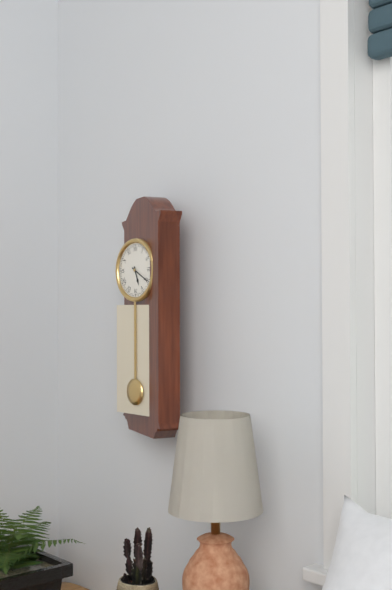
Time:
h=5 m=20
